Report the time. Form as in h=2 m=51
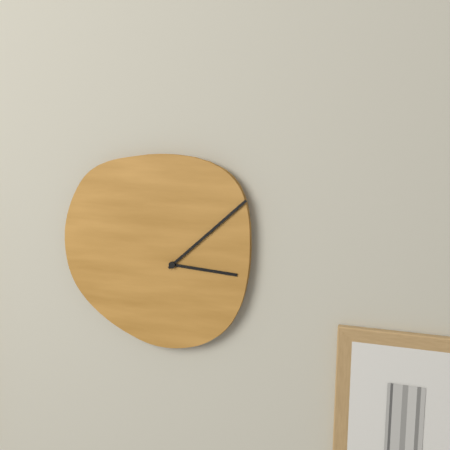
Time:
h=3 m=8
